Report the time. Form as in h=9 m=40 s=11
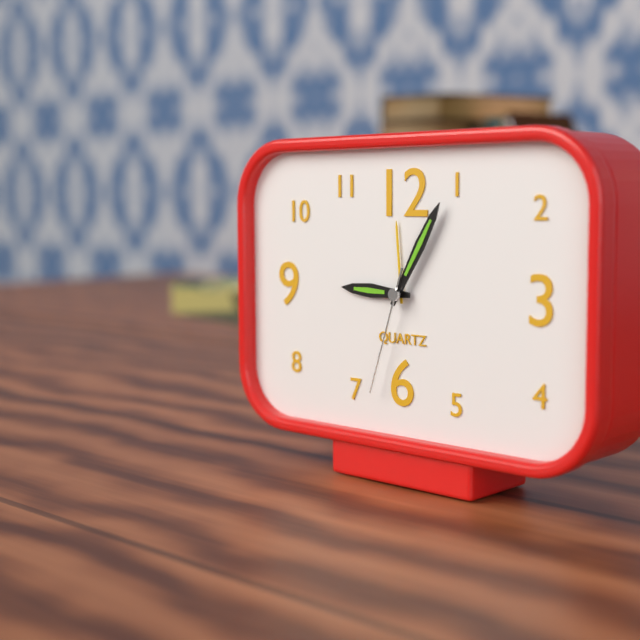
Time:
h=9 m=5 s=33
